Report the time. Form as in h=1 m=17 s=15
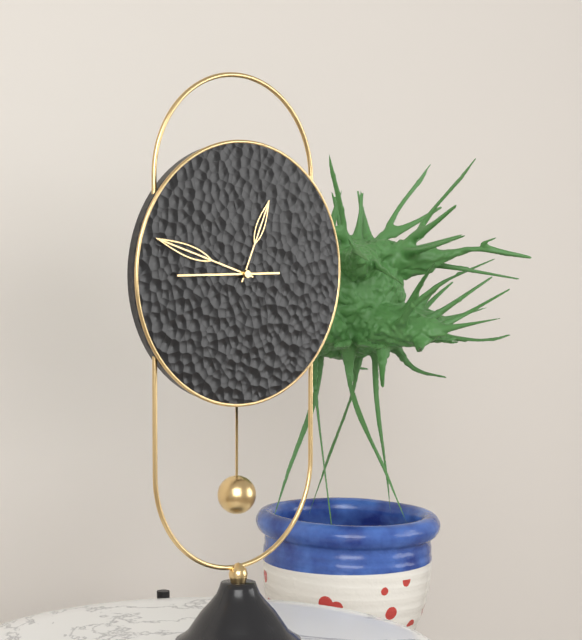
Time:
h=12 m=48 s=45
